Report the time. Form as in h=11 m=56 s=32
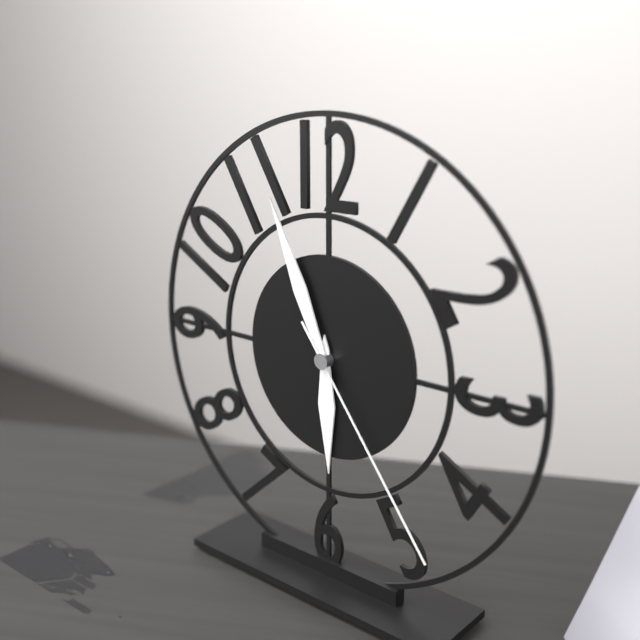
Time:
h=5 m=56 s=24
